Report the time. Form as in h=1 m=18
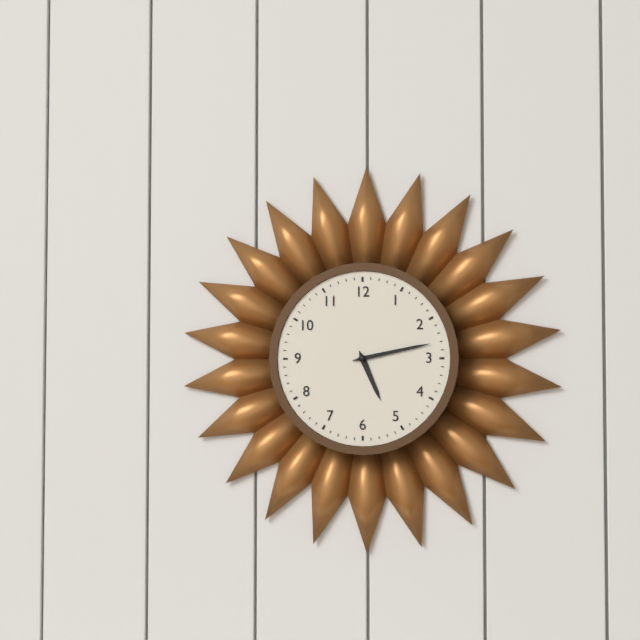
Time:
h=5 m=13
